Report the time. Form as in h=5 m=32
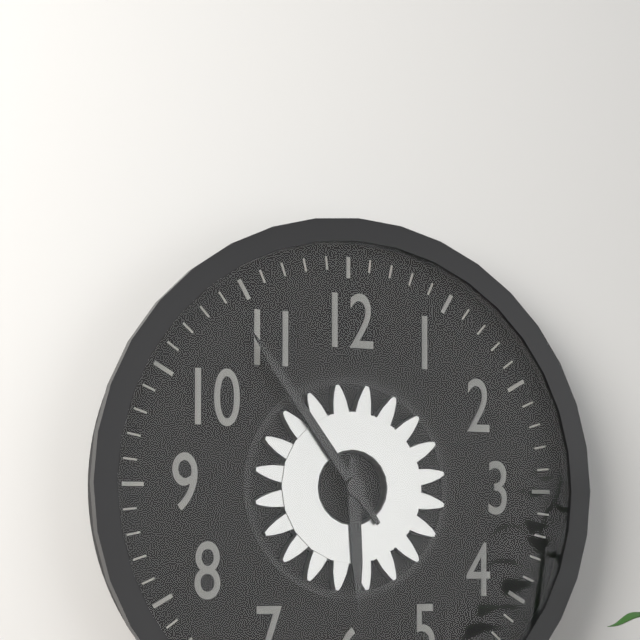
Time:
h=5 m=54
